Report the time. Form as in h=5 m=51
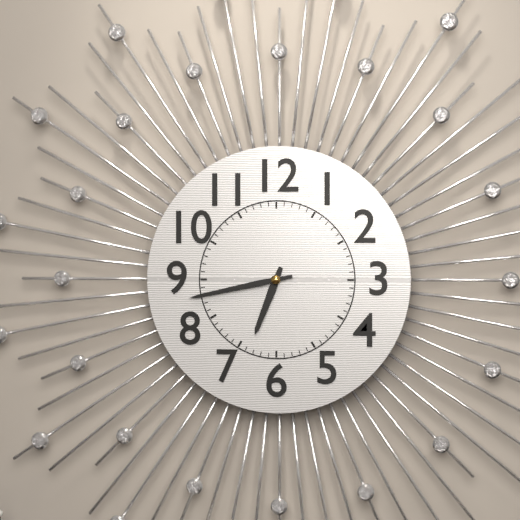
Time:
h=6 m=43
